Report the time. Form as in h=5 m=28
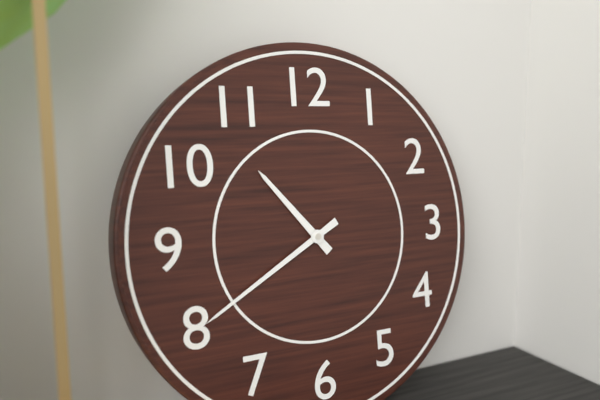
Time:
h=10 m=40
